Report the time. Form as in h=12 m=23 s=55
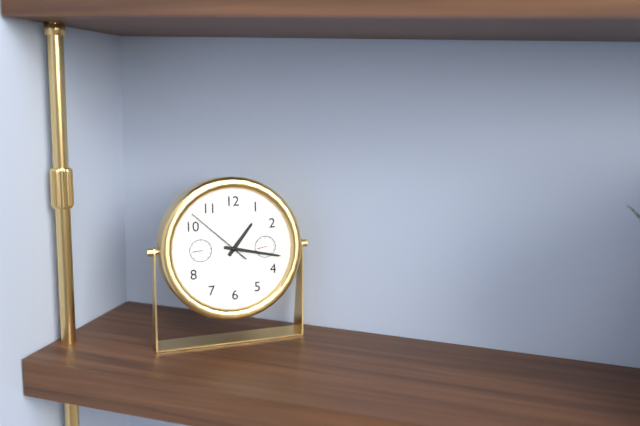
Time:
h=1 m=17 s=52
